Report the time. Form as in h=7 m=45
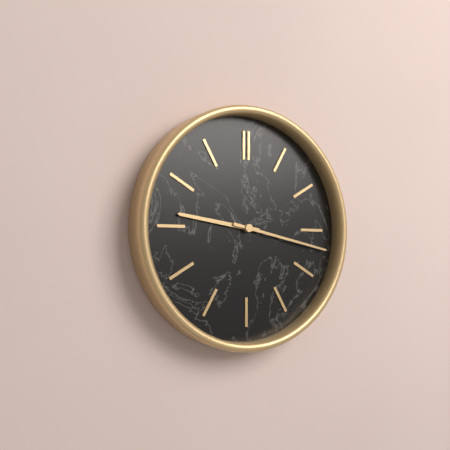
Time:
h=9 m=17
